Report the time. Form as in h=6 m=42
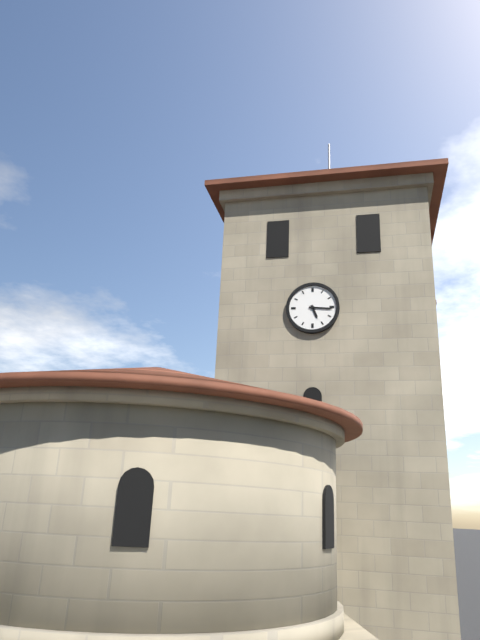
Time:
h=5 m=16
